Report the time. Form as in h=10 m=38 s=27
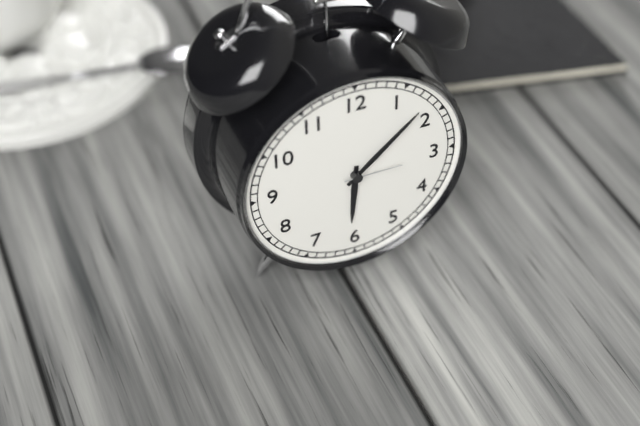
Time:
h=6 m=8 s=15
